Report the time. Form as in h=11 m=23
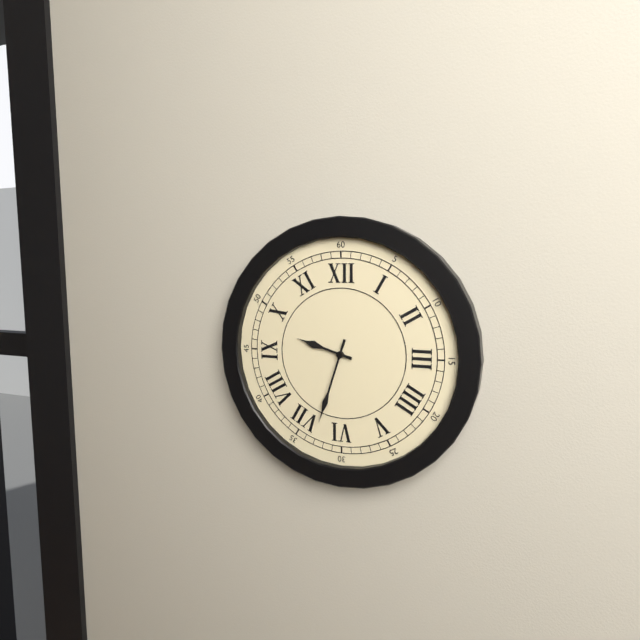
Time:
h=9 m=33
